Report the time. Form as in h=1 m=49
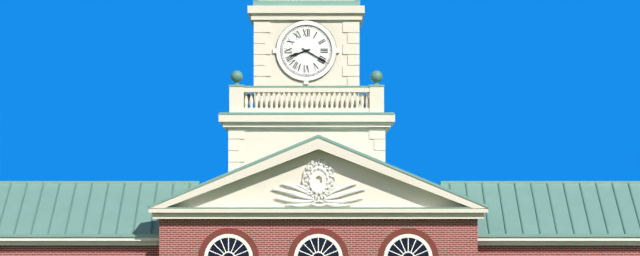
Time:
h=8 m=20
